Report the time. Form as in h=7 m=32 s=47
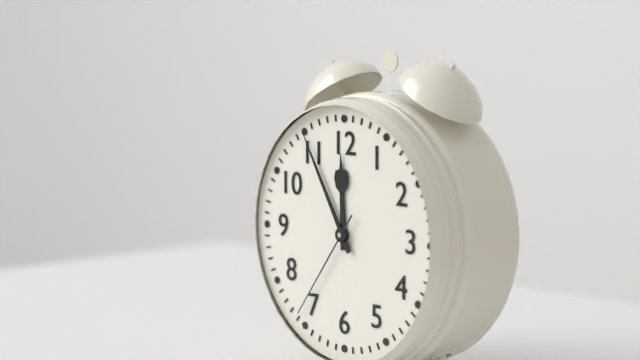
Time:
h=11 m=55 s=36
